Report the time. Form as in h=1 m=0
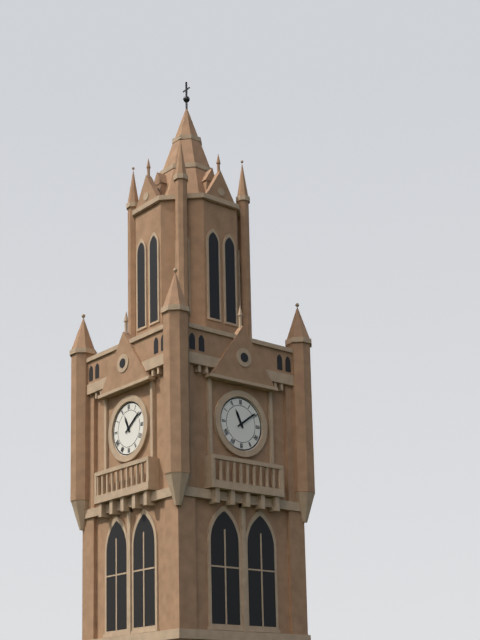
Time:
h=11 m=9
